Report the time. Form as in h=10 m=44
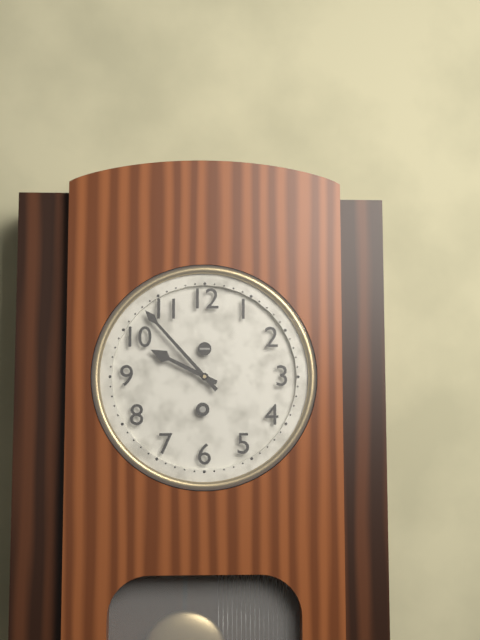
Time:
h=9 m=53
